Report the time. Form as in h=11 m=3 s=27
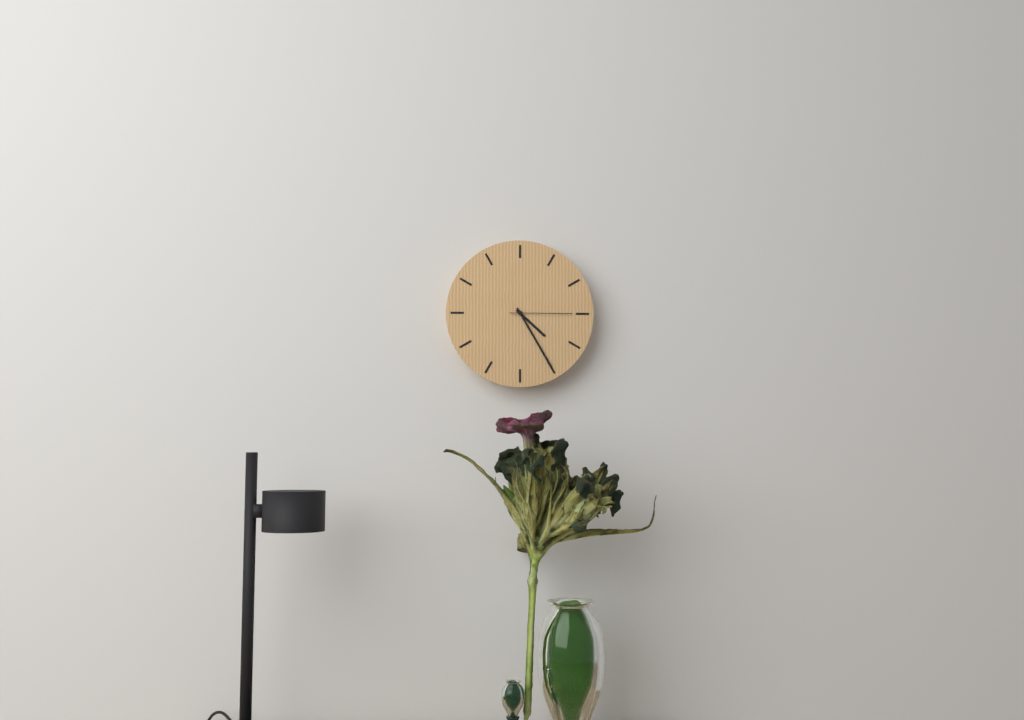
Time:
h=4 m=25 s=15
